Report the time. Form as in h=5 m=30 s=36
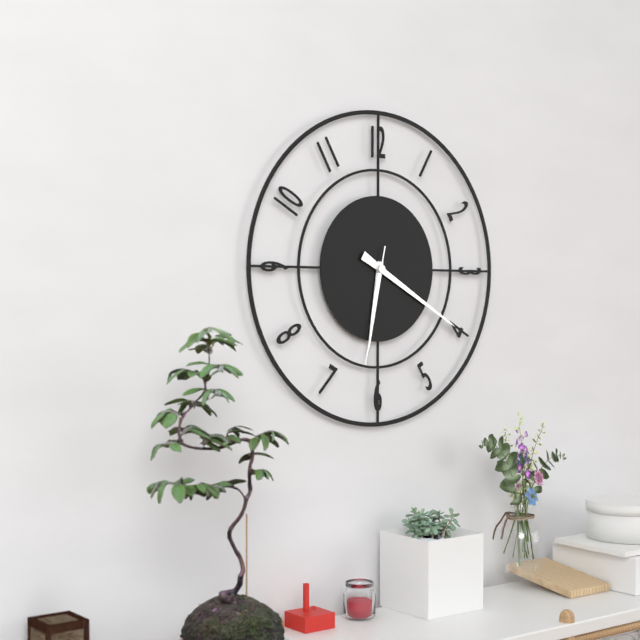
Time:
h=6 m=20 s=32
